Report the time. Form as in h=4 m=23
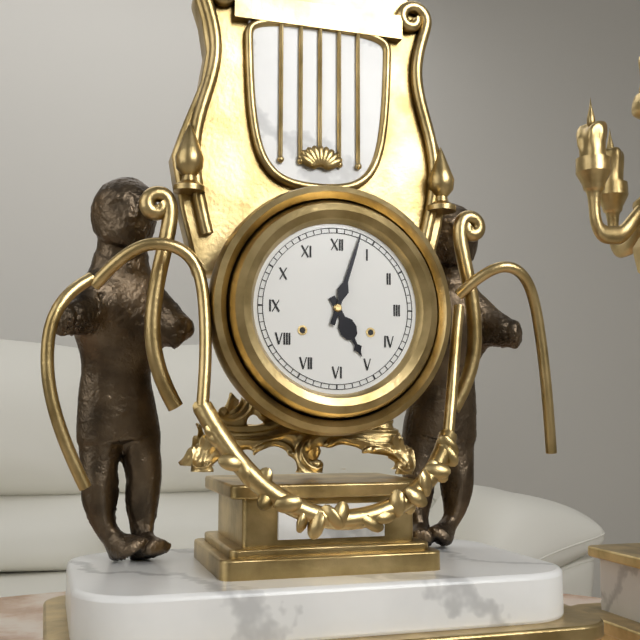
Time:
h=5 m=3
